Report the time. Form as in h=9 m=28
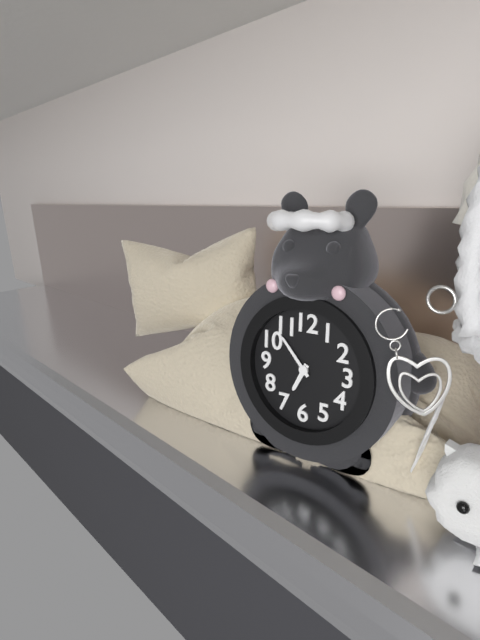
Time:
h=6 m=53
